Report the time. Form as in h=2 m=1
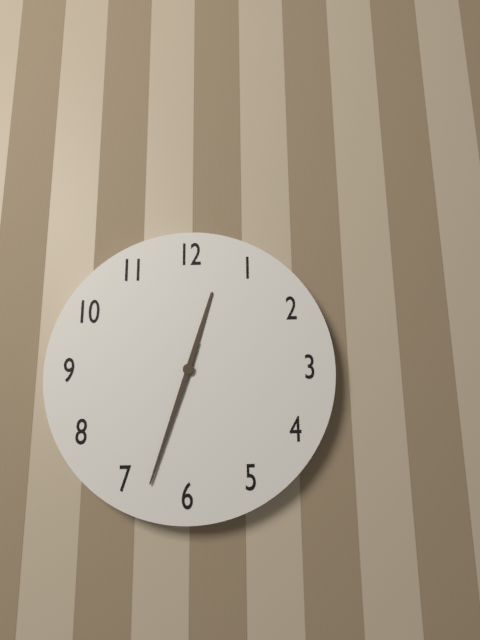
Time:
h=12 m=33
